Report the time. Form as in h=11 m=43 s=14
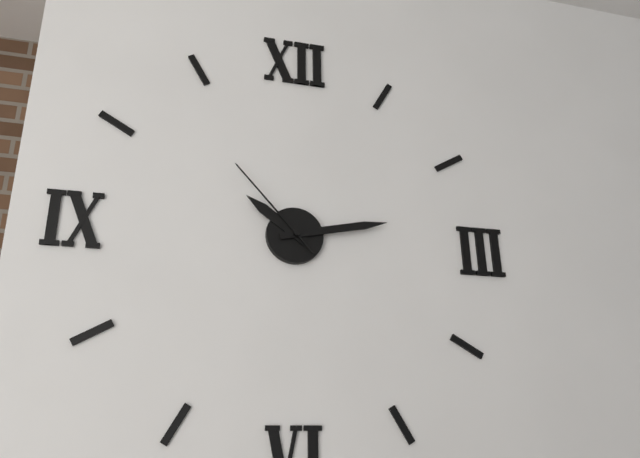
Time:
h=10 m=13 s=53
